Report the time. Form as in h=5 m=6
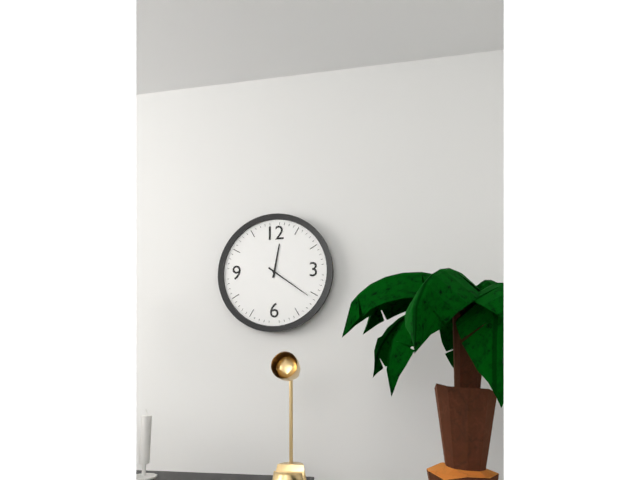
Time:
h=12 m=21
